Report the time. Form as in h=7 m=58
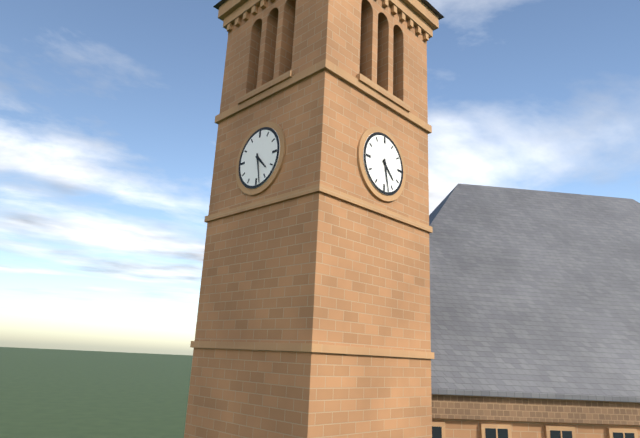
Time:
h=4 m=28
